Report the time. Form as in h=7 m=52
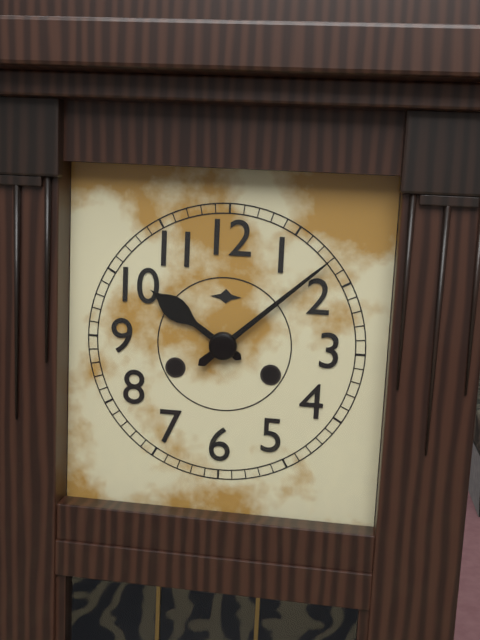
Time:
h=10 m=8
